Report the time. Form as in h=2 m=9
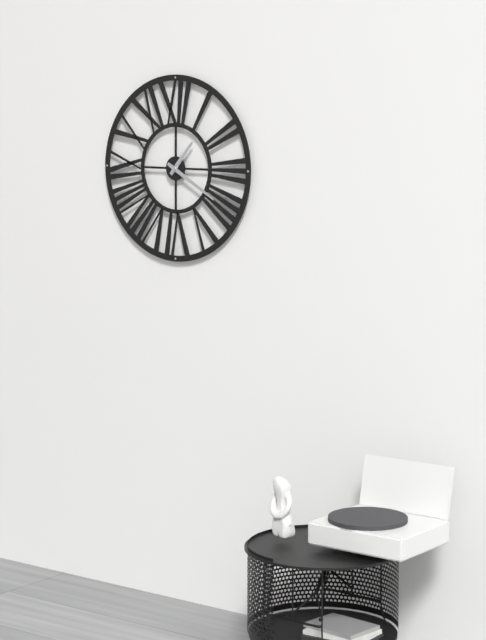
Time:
h=1 m=20
